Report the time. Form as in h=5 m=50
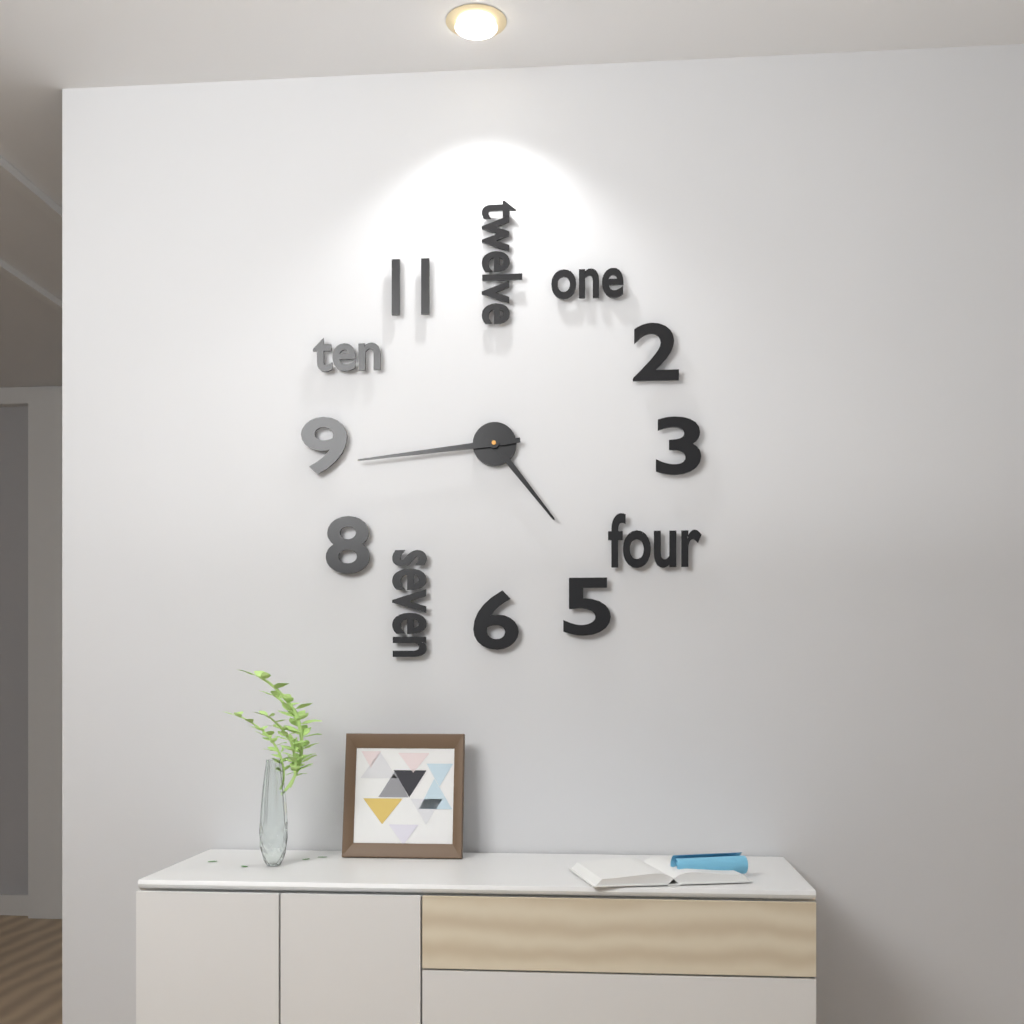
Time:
h=4 m=44
